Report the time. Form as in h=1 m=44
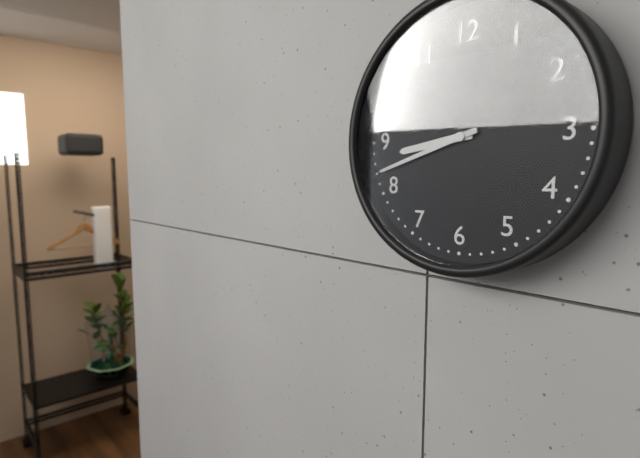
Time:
h=8 m=42
